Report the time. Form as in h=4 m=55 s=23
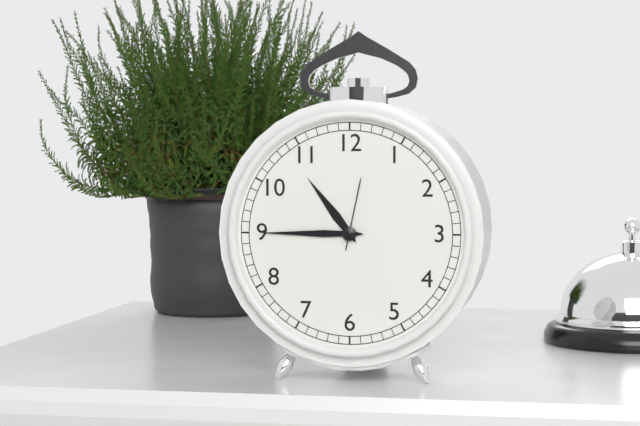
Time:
h=10 m=45 s=2
